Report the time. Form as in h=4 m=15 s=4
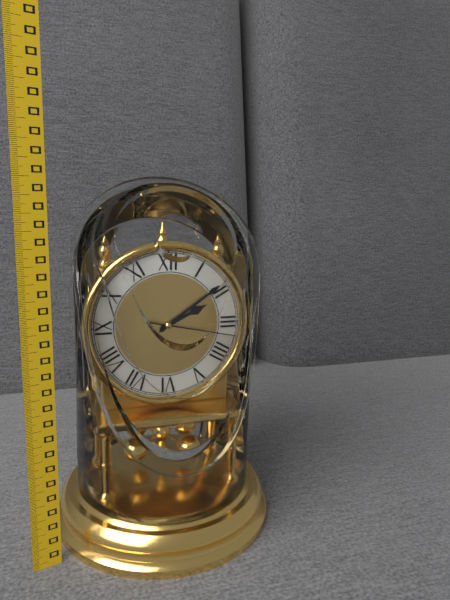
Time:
h=2 m=9 s=17
